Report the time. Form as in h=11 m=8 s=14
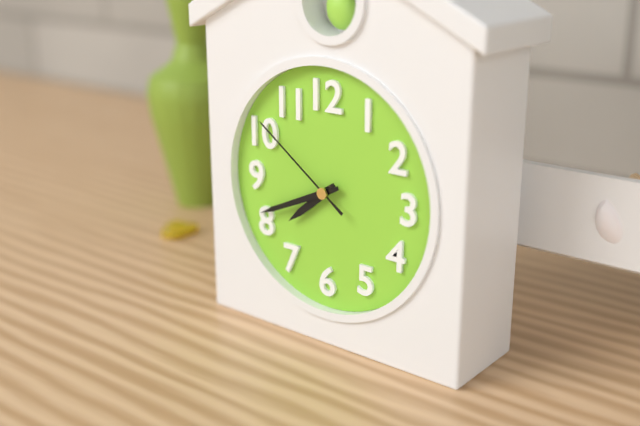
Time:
h=7 m=41 s=51
